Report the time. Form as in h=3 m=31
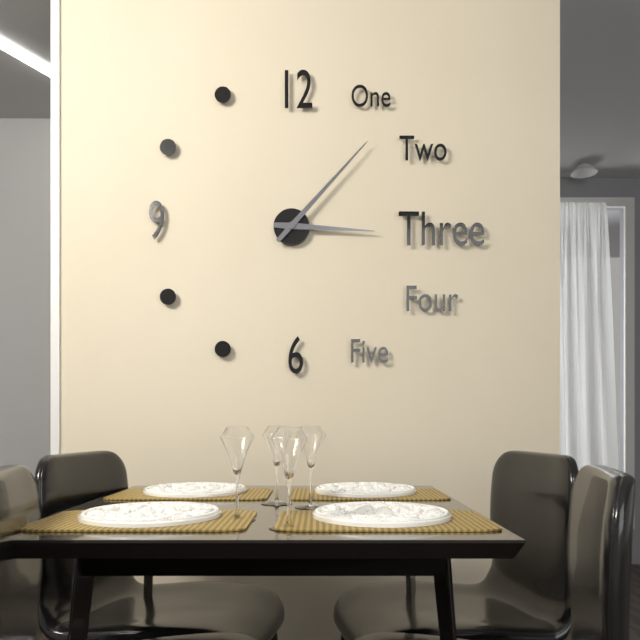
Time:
h=3 m=7
